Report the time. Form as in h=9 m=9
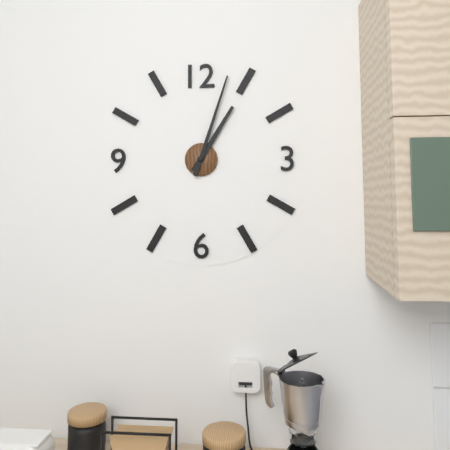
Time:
h=1 m=3
